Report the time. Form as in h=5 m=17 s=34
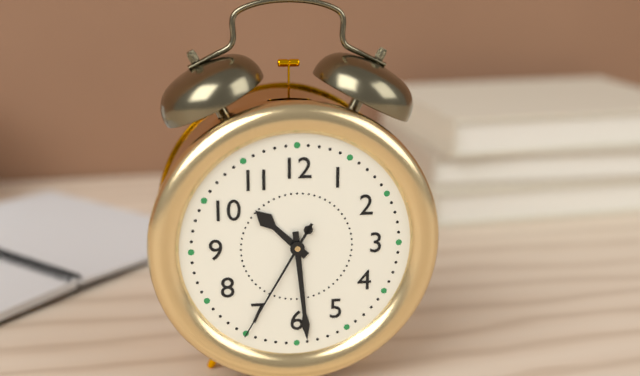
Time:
h=10 m=29 s=35
